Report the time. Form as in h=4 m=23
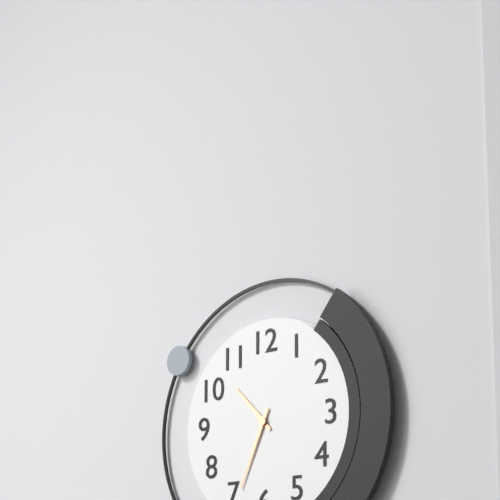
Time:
h=10 m=34
